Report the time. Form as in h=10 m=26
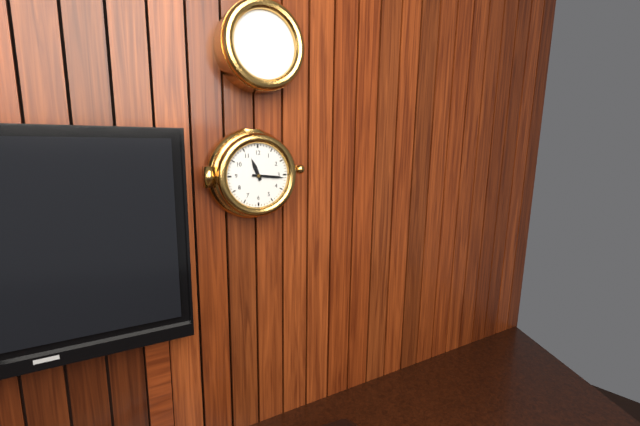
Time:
h=11 m=16
